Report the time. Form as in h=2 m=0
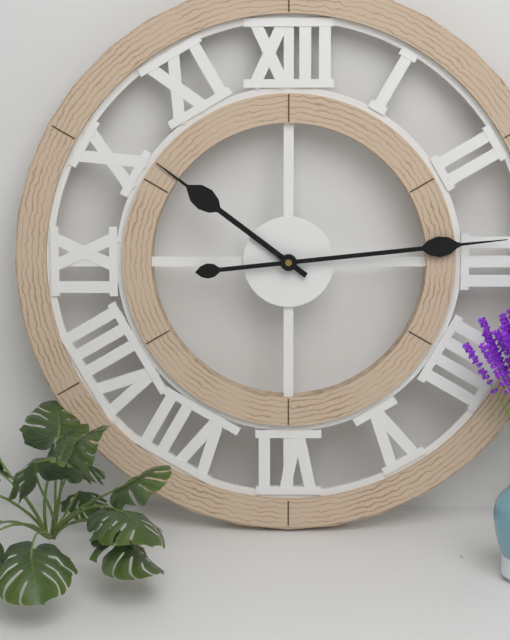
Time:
h=10 m=14
